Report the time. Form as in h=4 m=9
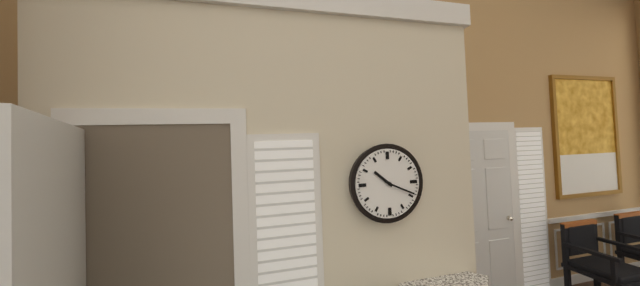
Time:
h=10 m=19
